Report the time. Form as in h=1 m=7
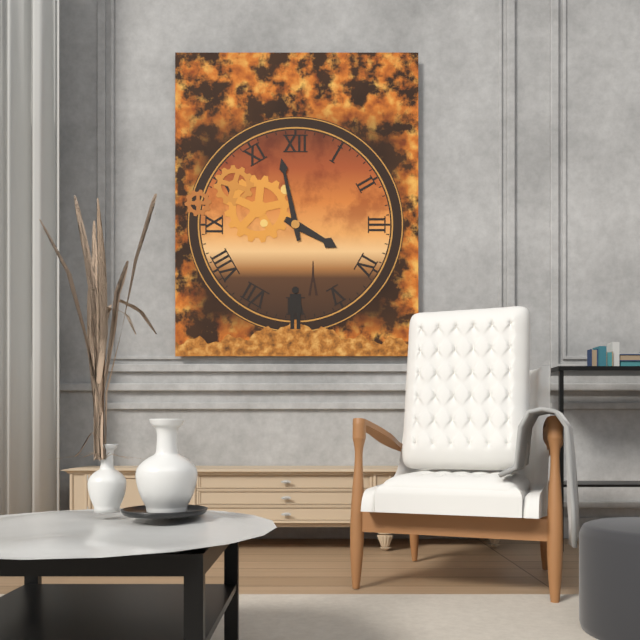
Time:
h=3 m=58
